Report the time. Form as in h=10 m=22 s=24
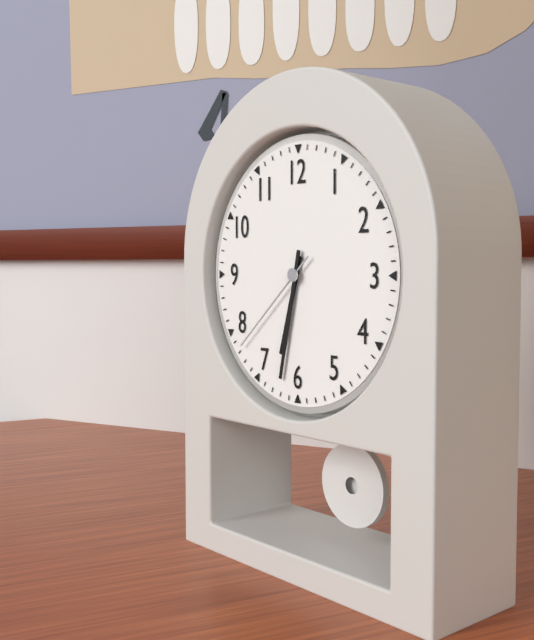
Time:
h=6 m=32 s=38
